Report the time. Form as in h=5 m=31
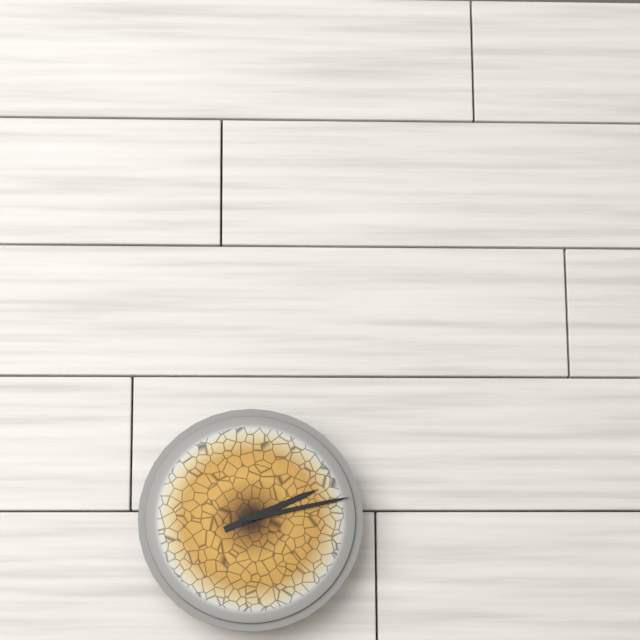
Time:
h=2 m=13
